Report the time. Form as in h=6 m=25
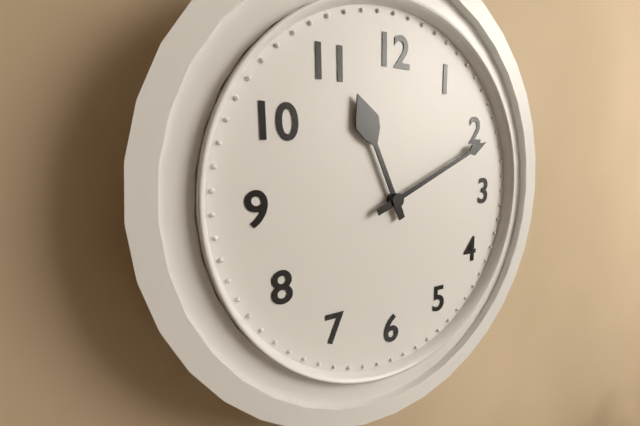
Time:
h=11 m=11
